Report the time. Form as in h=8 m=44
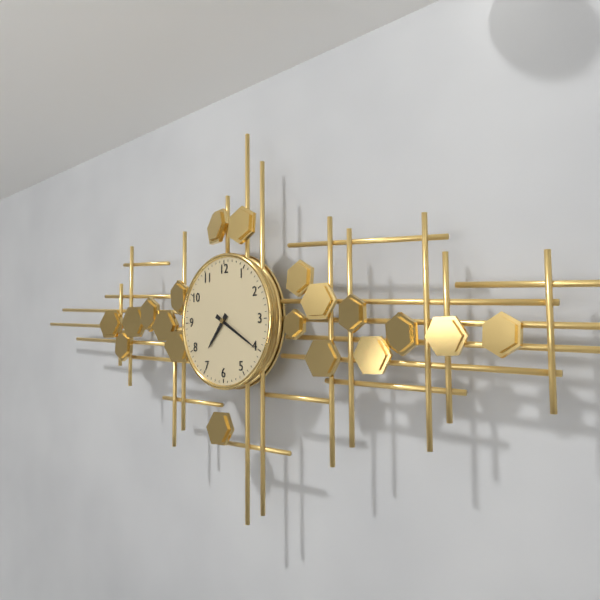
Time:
h=7 m=20
